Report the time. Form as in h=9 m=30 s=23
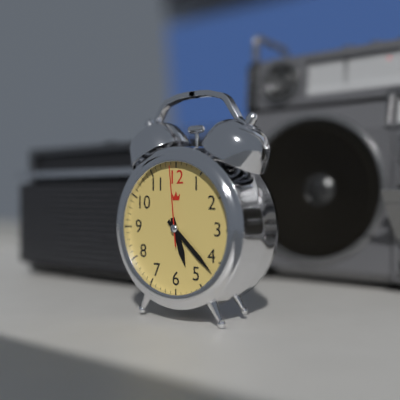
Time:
h=5 m=22 s=59
